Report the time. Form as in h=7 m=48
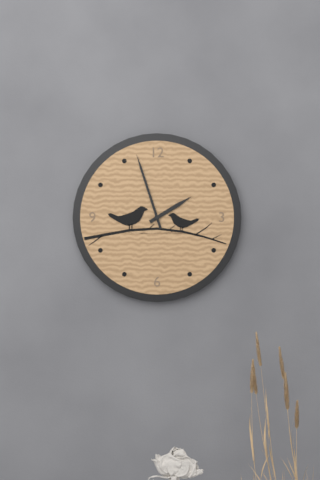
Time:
h=1 m=57
